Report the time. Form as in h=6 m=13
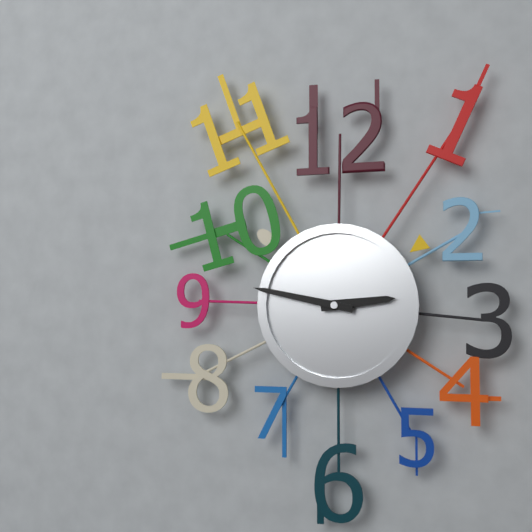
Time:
h=2 m=47
